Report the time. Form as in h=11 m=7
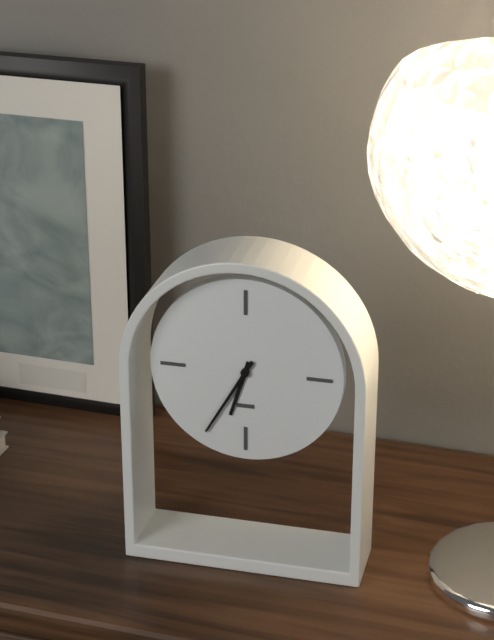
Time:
h=6 m=35
